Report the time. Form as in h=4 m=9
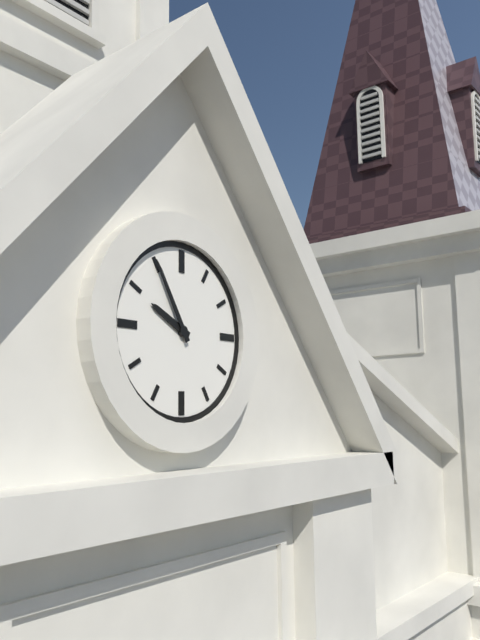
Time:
h=9 m=55
